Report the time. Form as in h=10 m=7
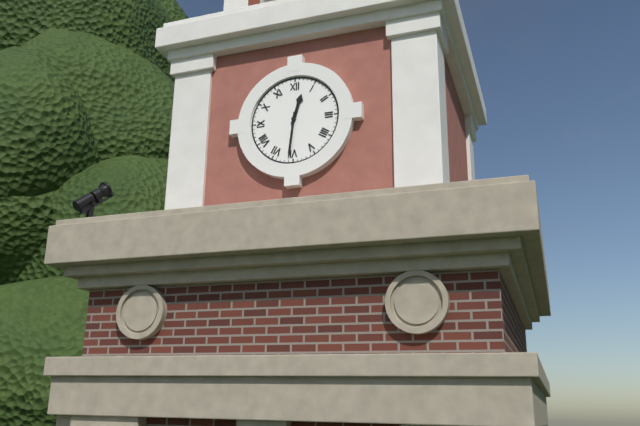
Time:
h=12 m=31
